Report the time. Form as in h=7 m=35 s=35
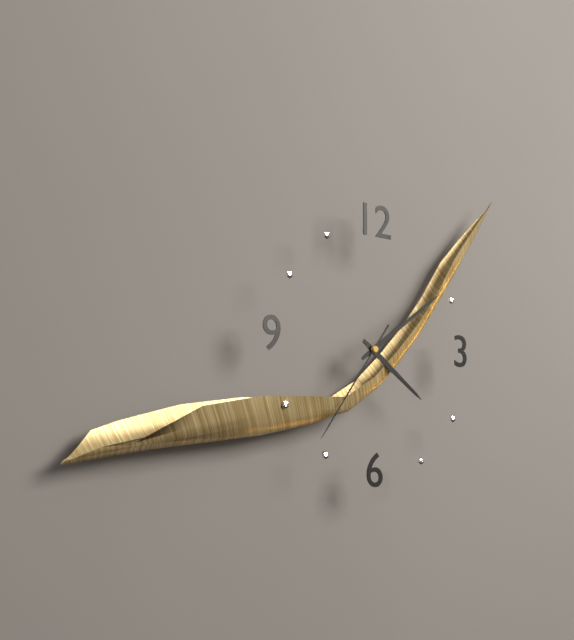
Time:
h=4 m=9 s=36
